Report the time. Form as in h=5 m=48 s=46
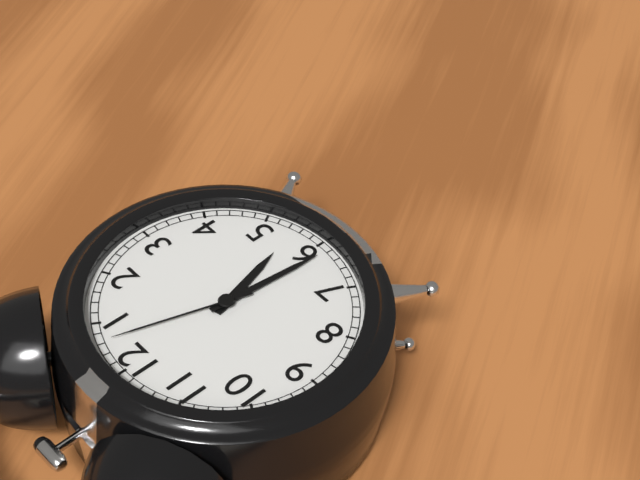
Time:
h=5 m=31 s=3
